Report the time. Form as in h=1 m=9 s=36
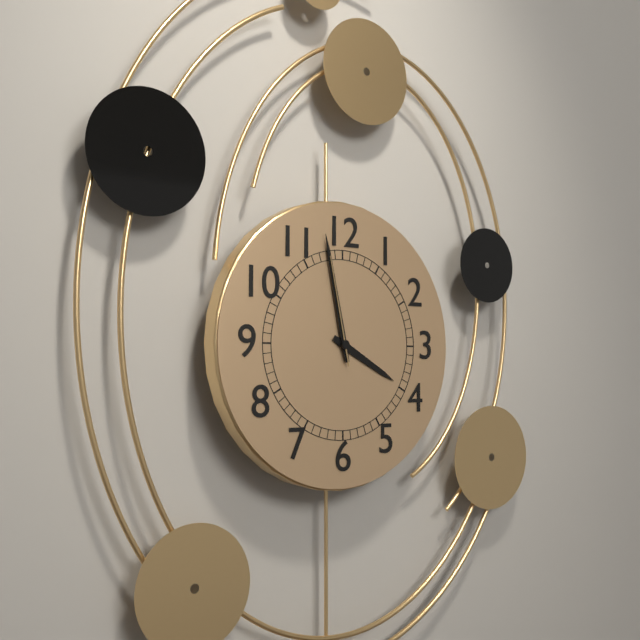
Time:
h=3 m=58 s=58
